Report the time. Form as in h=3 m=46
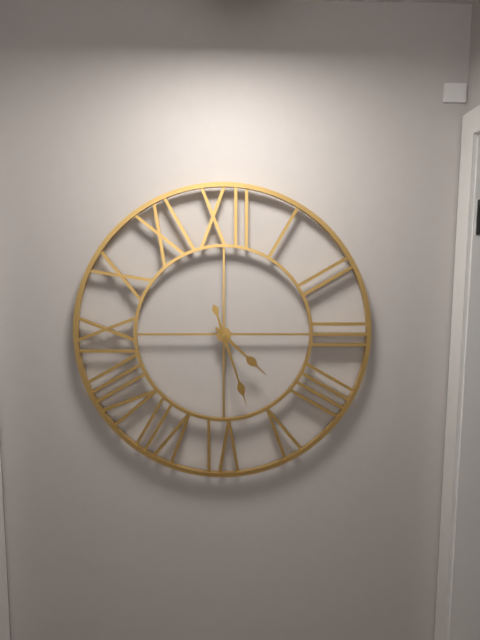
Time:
h=4 m=27
